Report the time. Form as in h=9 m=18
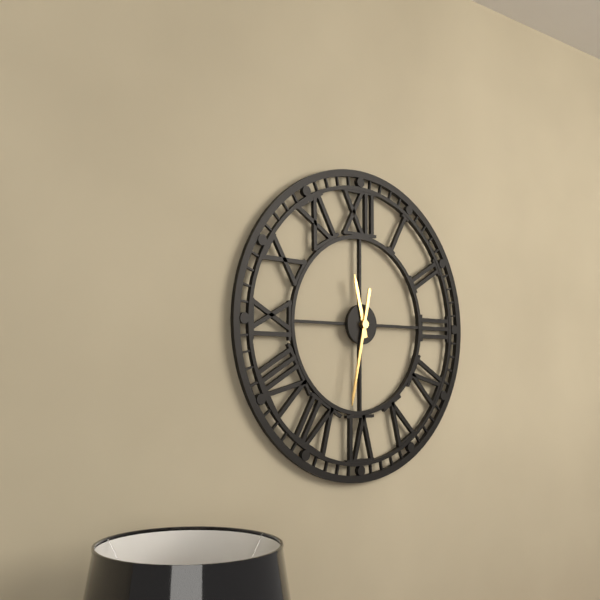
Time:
h=11 m=32
